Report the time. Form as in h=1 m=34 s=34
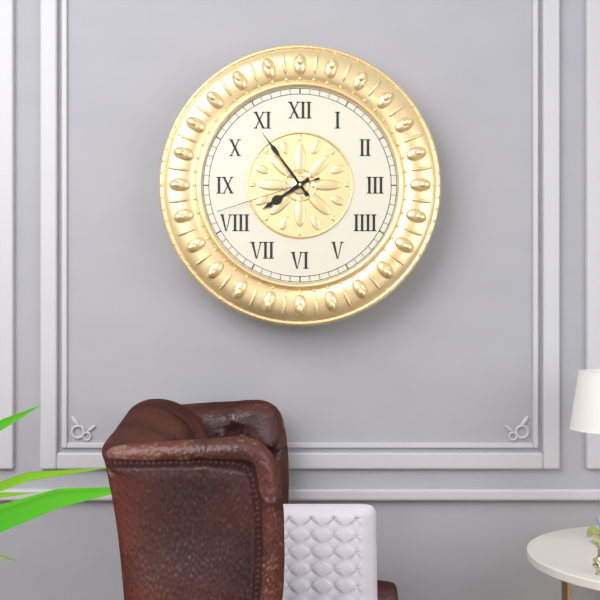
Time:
h=7 m=54 s=42
